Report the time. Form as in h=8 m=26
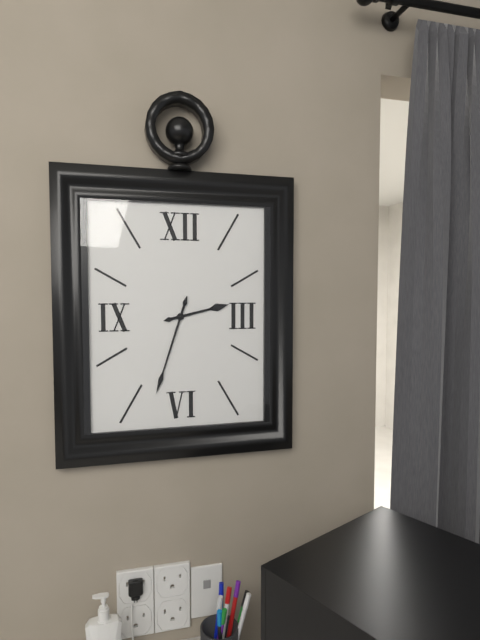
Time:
h=2 m=33
